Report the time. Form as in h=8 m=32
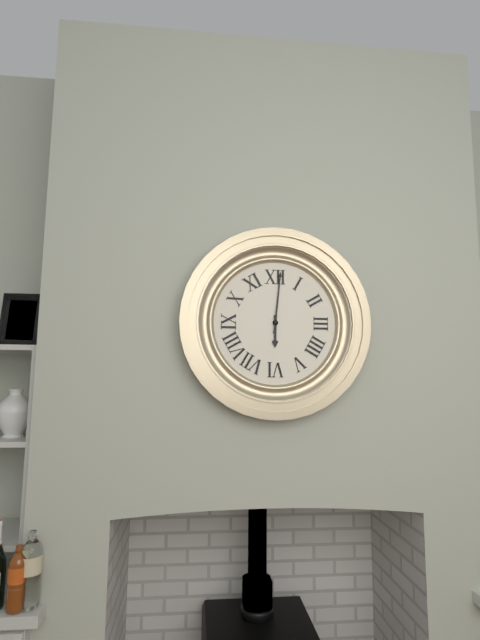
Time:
h=6 m=1
